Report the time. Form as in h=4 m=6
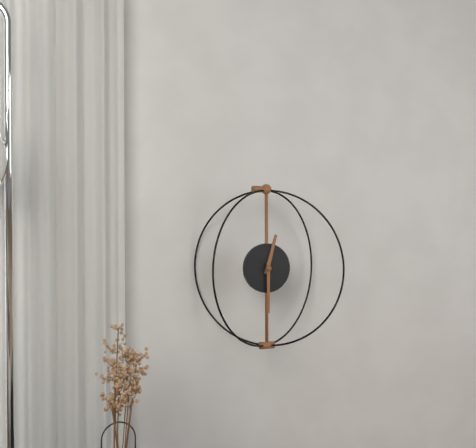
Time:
h=12 m=30
